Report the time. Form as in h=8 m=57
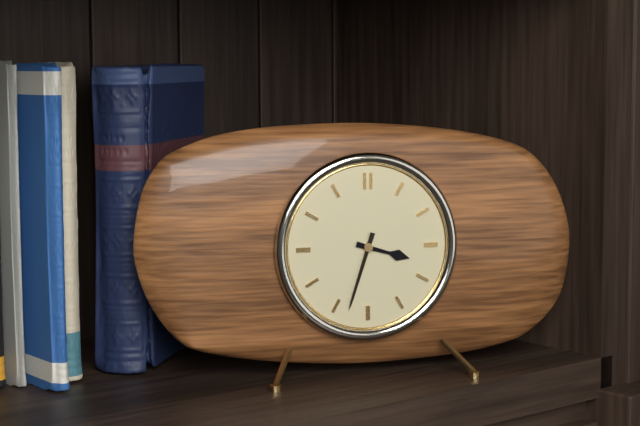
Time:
h=3 m=33
